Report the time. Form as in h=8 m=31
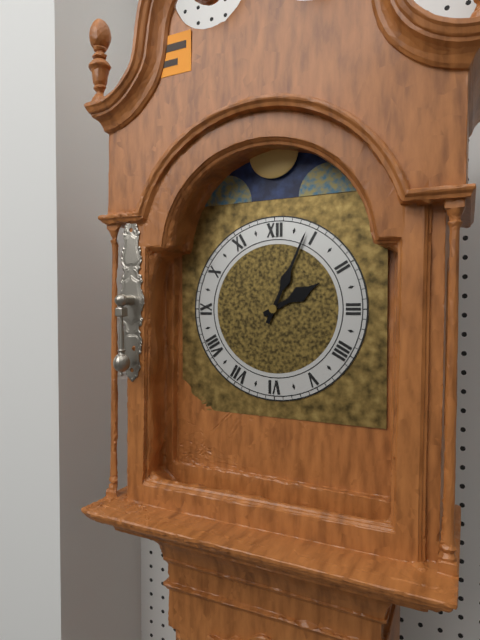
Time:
h=2 m=4
